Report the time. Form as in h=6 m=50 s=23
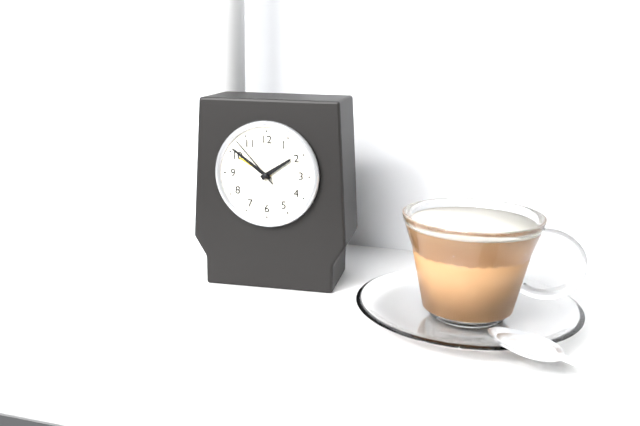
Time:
h=1 m=51 s=53
